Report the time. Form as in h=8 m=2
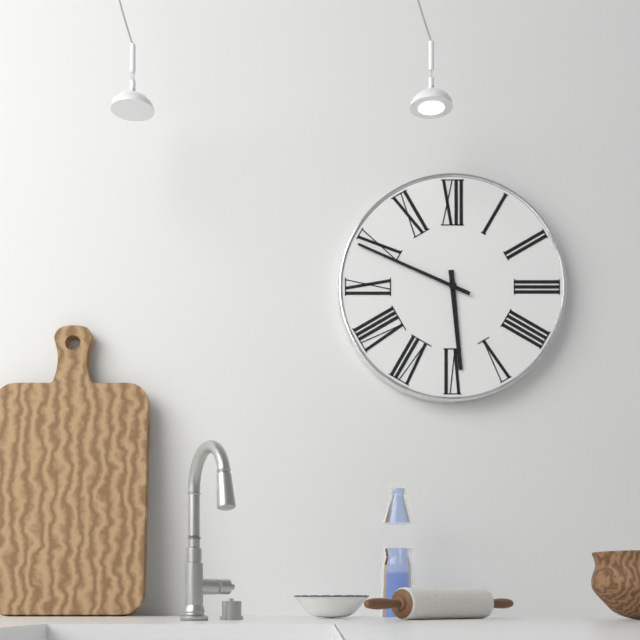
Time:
h=5 m=49
